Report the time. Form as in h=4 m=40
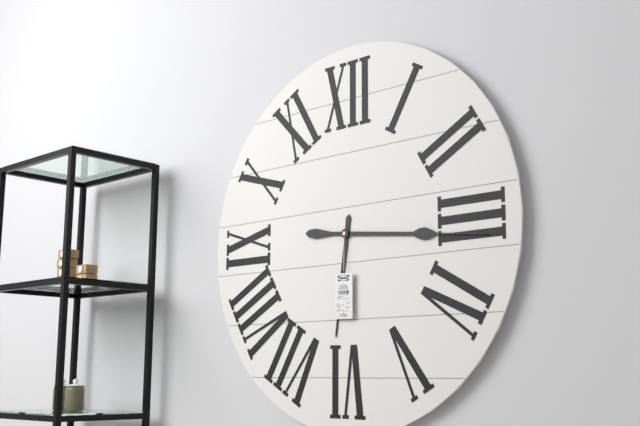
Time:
h=6 m=16
